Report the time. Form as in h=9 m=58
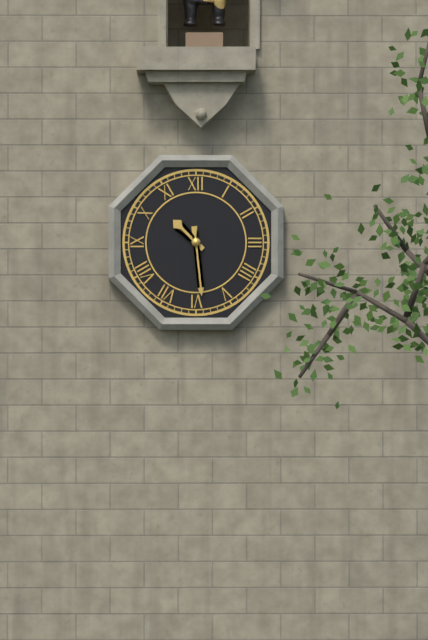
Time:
h=10 m=29
